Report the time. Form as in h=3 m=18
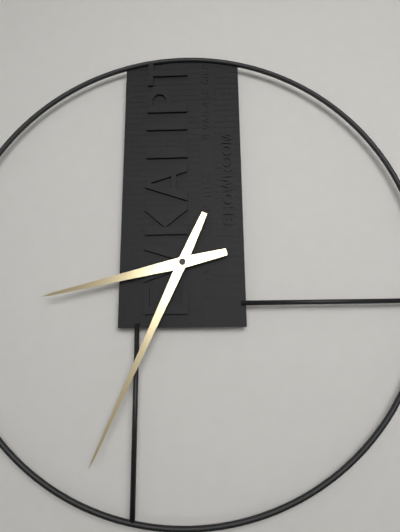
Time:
h=8 m=34
